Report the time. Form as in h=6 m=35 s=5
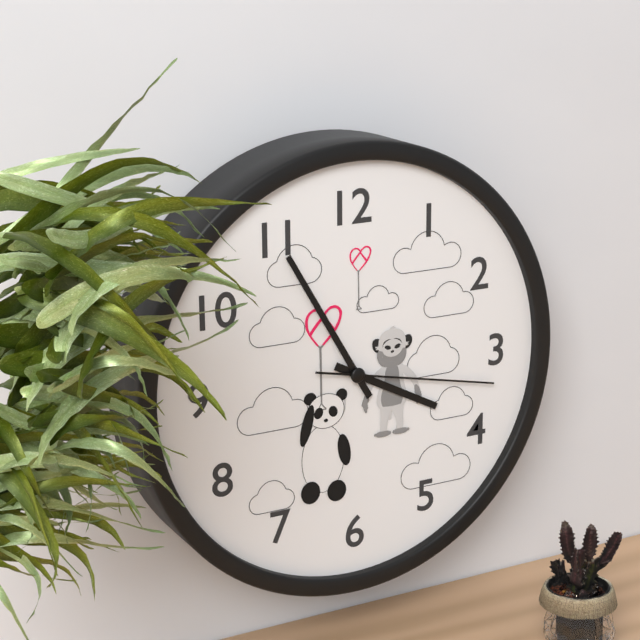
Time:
h=3 m=55 s=17
